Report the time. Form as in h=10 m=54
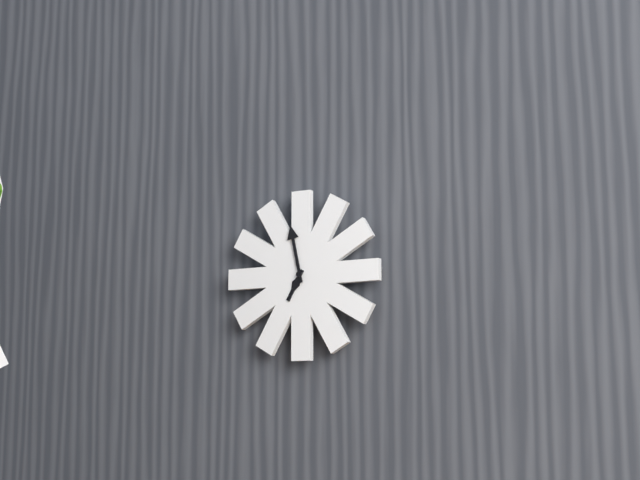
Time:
h=6 m=58
